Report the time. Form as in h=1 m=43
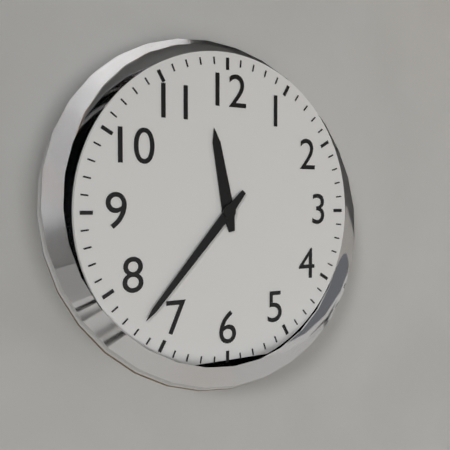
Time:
h=11 m=37
